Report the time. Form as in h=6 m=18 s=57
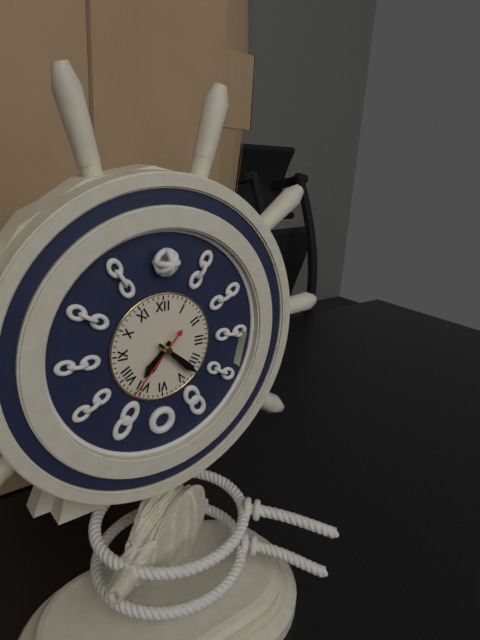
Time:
h=7 m=22 s=37
